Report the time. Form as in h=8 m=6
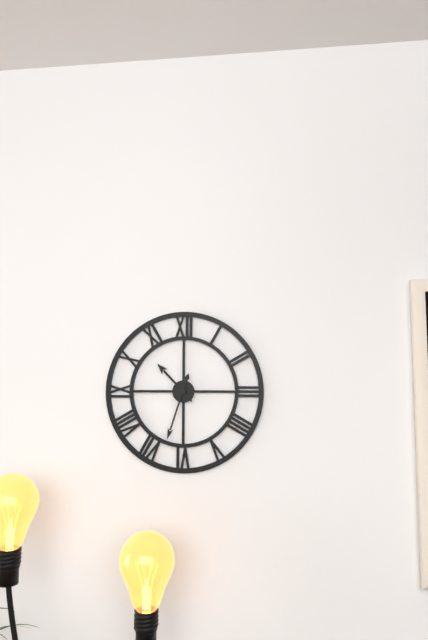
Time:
h=10 m=33
